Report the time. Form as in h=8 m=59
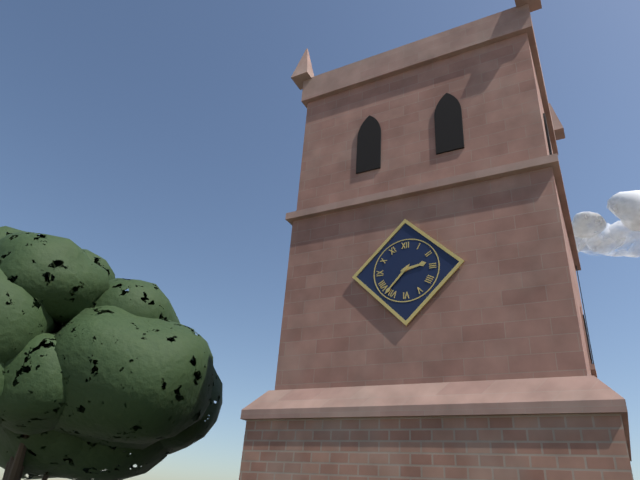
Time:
h=2 m=37
